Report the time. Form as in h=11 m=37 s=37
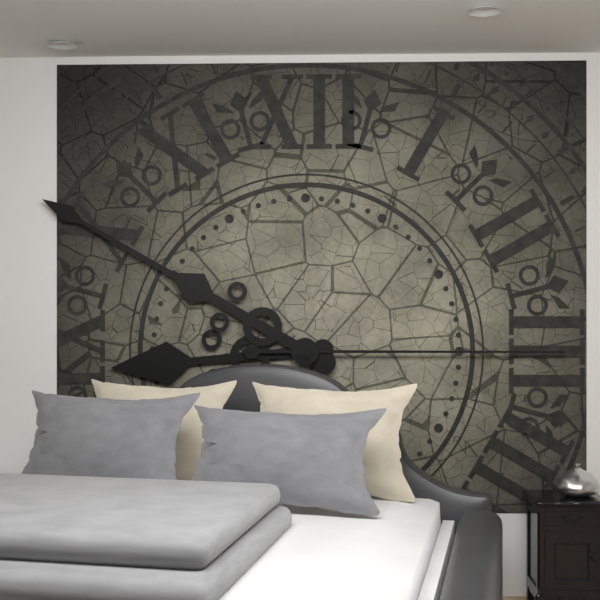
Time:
h=8 m=50 s=15
